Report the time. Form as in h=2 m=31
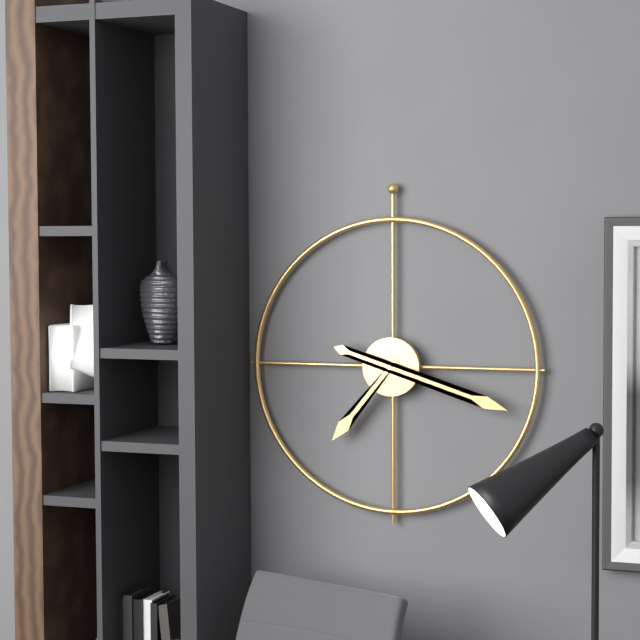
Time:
h=7 m=18
